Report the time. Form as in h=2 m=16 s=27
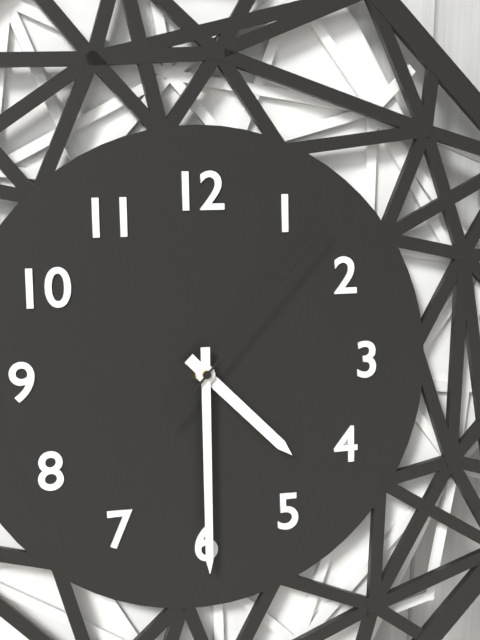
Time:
h=4 m=30 s=7
